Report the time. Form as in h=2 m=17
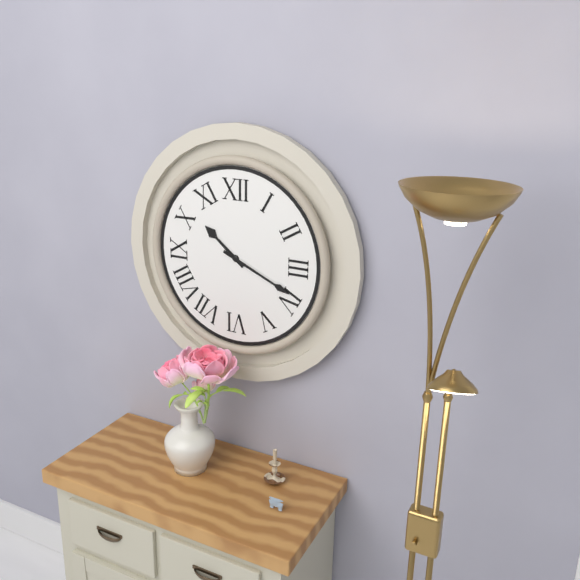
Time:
h=10 m=19
